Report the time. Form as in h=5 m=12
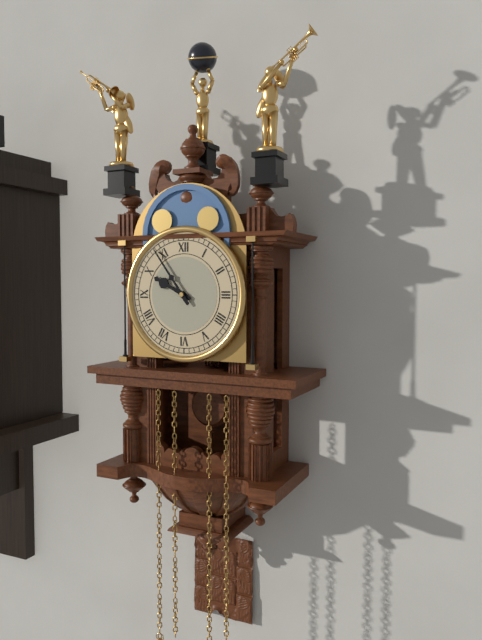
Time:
h=9 m=54
